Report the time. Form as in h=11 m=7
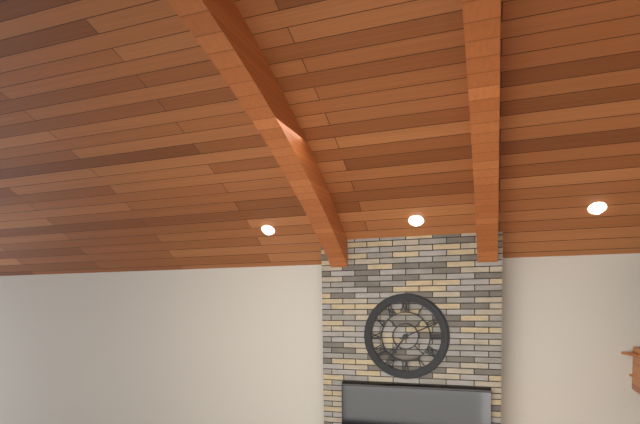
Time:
h=7 m=11
